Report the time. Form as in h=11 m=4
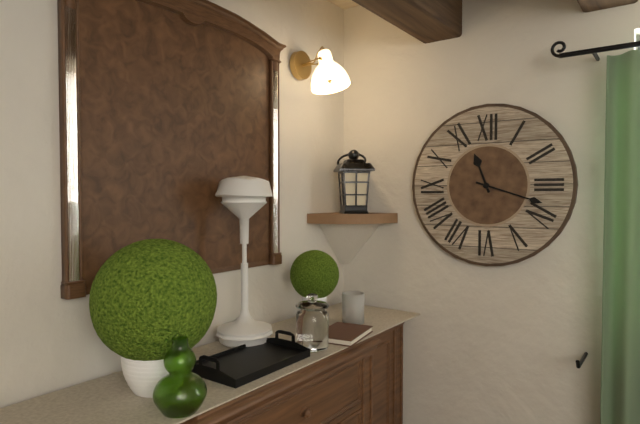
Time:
h=11 m=18
